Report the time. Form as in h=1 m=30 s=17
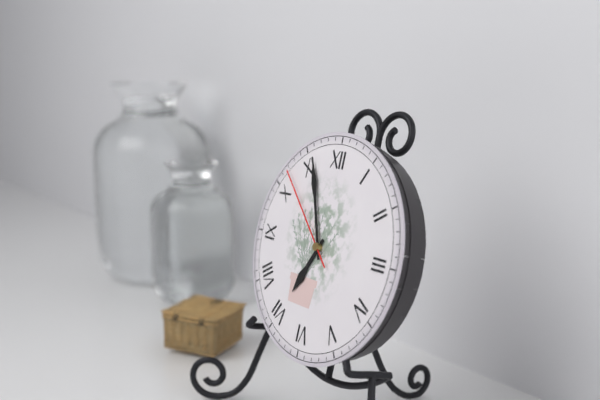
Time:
h=6 m=56 s=52
